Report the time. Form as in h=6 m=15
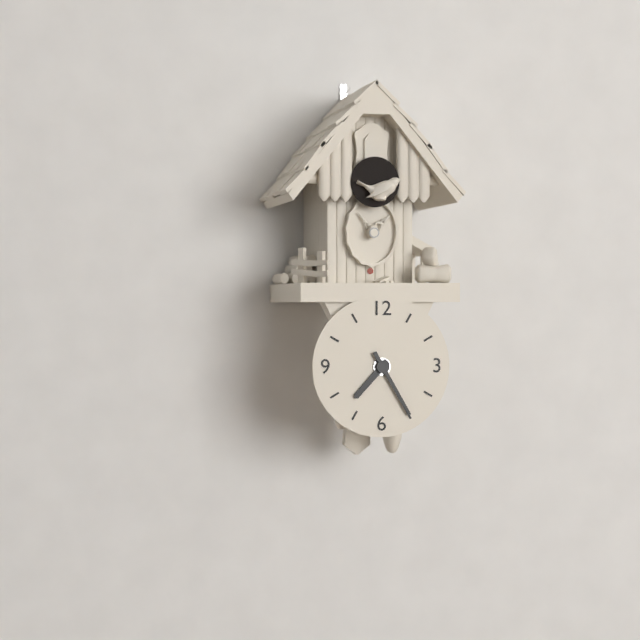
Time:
h=7 m=25
